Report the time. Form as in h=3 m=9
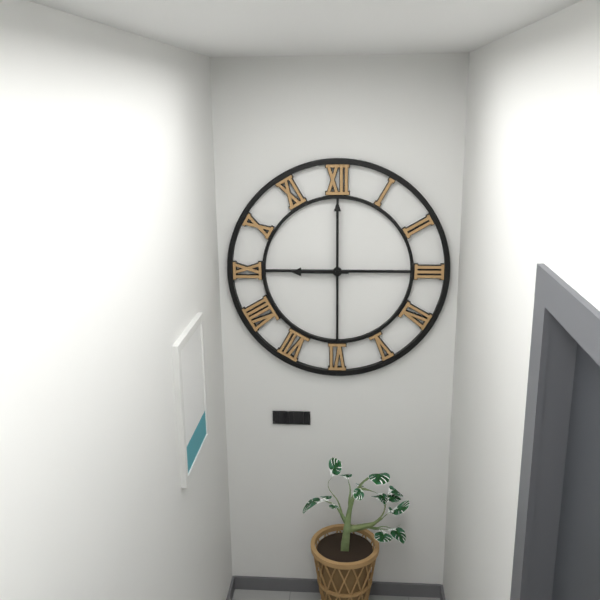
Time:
h=9 m=0
